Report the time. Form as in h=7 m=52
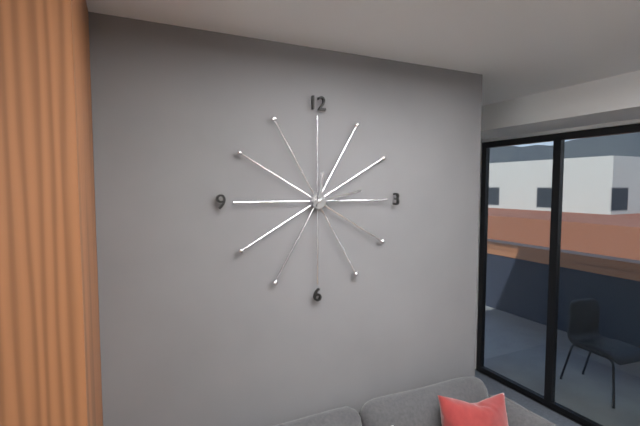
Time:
h=12 m=13
